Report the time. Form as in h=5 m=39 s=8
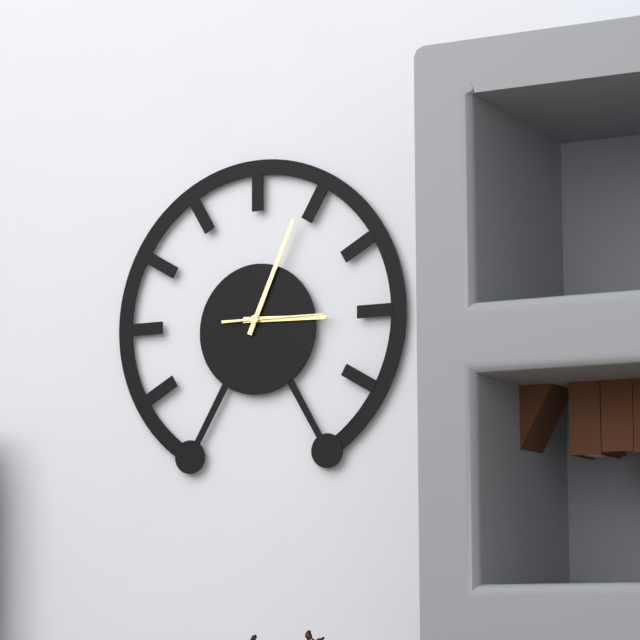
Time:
h=3 m=4 s=15
